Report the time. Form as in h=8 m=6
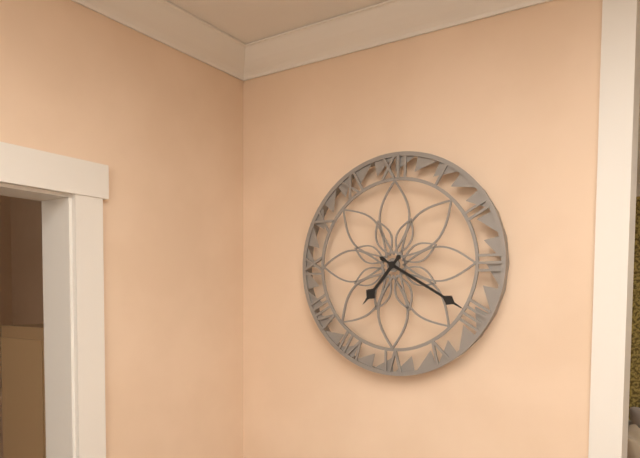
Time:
h=7 m=20
